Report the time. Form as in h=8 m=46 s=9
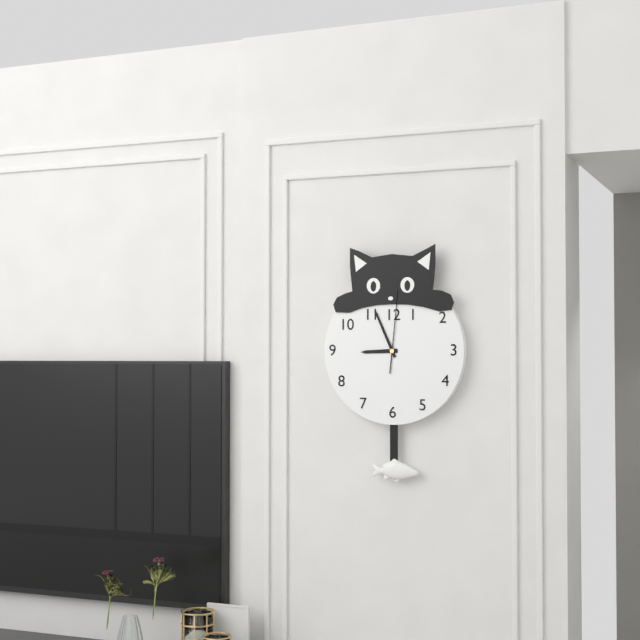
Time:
h=8 m=56 s=1
